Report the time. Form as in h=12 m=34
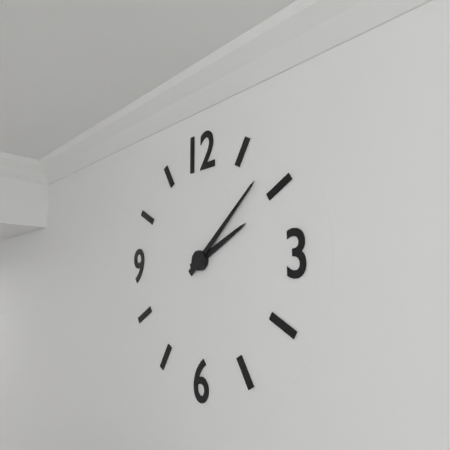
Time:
h=2 m=8
